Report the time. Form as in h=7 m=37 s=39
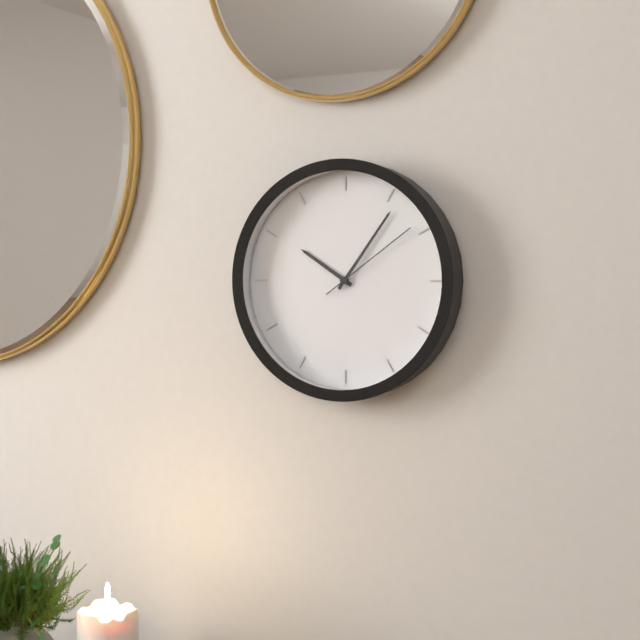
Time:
h=10 m=6 s=9
